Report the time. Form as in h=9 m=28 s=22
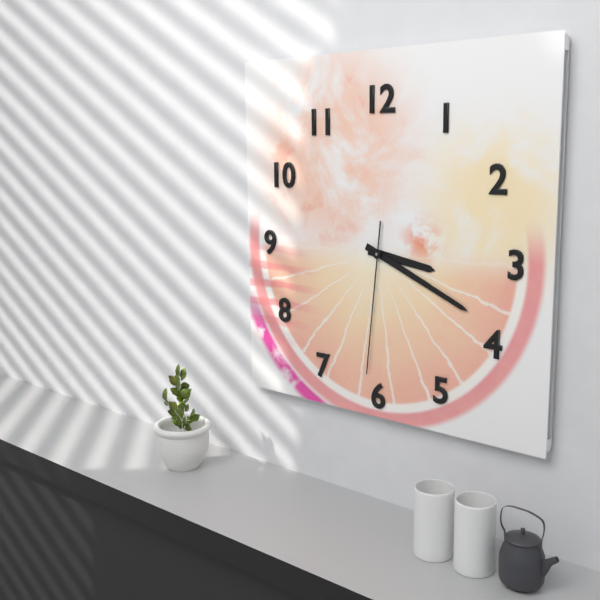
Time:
h=3 m=19 s=31
